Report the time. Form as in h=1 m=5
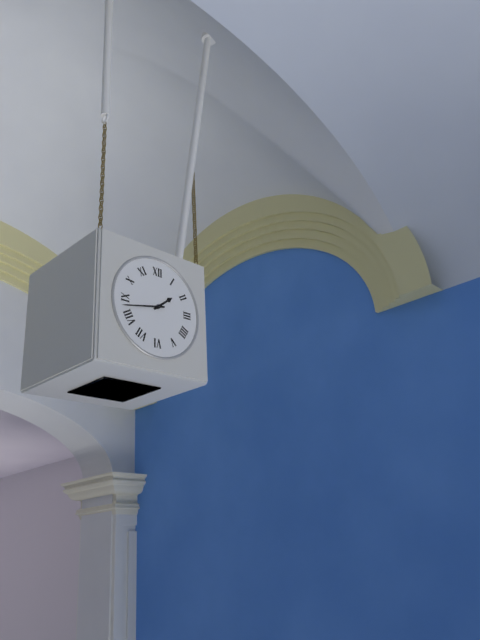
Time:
h=1 m=43
